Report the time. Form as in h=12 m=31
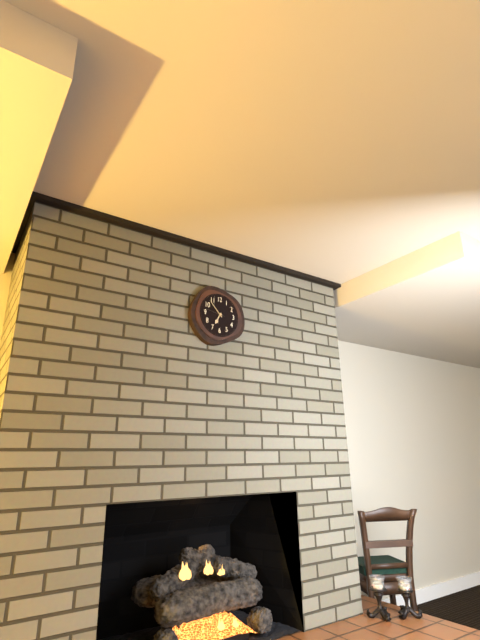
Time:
h=6 m=53
